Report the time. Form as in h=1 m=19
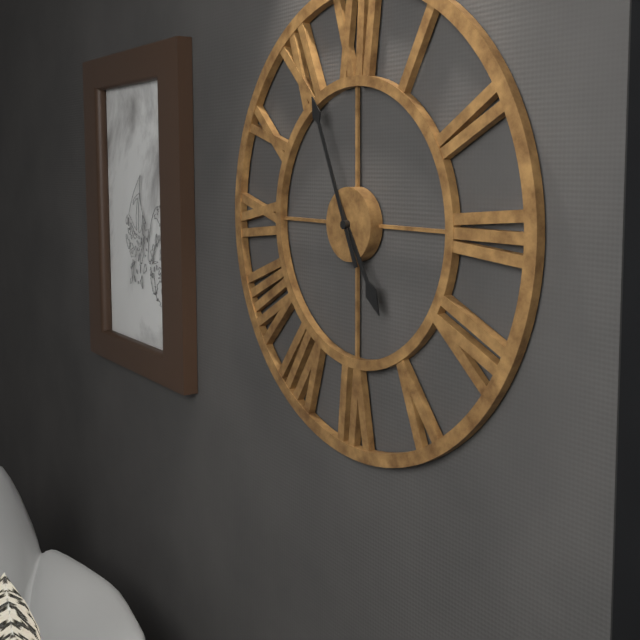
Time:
h=4 m=56
